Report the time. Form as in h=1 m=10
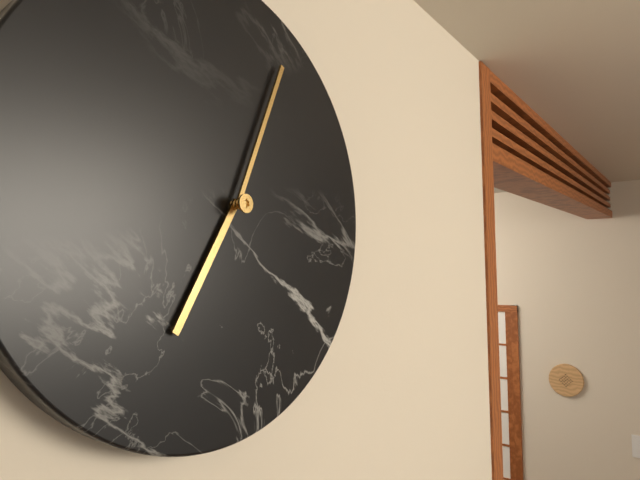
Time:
h=7 m=4
